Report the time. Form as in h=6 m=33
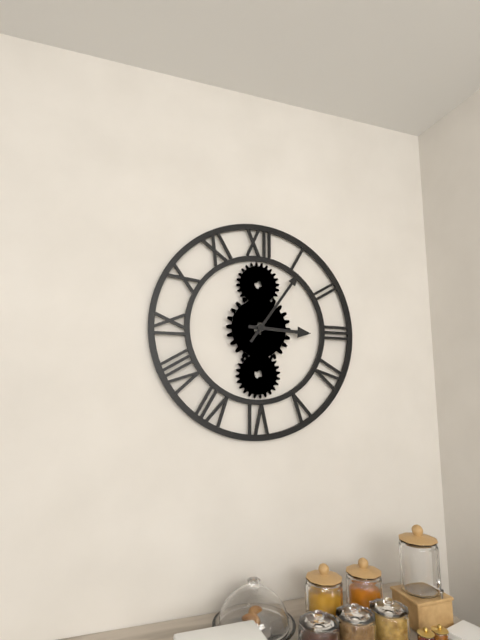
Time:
h=3 m=6
